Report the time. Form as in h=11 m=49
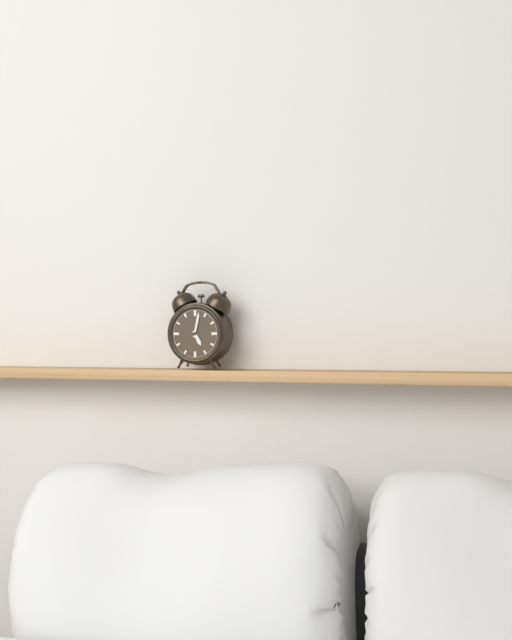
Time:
h=5 m=2
